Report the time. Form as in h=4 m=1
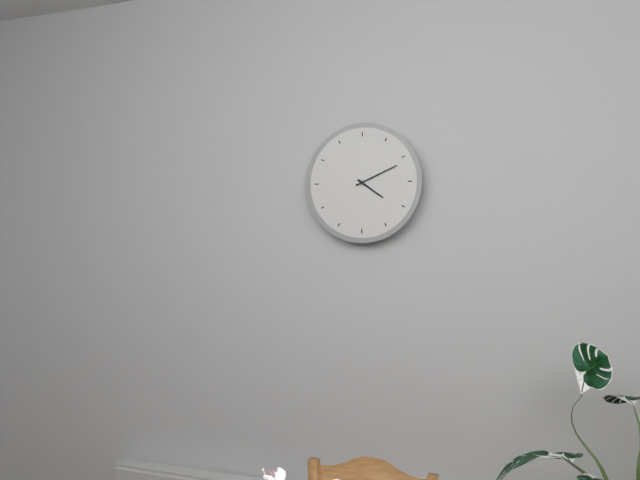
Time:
h=4 m=11
